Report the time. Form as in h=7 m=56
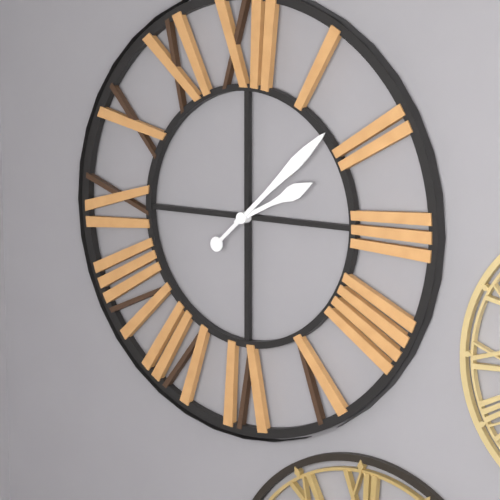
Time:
h=2 m=8
